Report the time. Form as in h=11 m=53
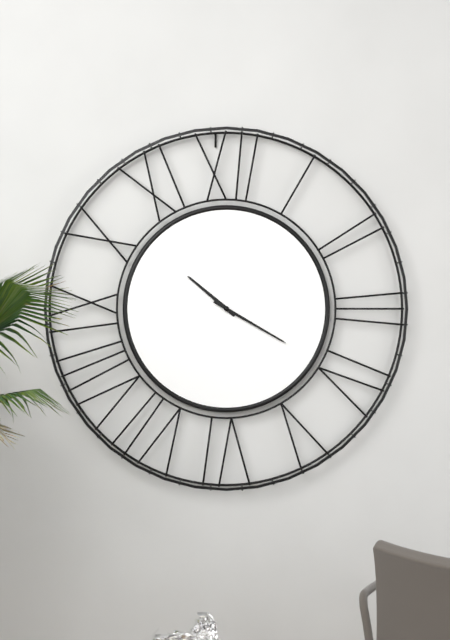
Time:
h=10 m=20
